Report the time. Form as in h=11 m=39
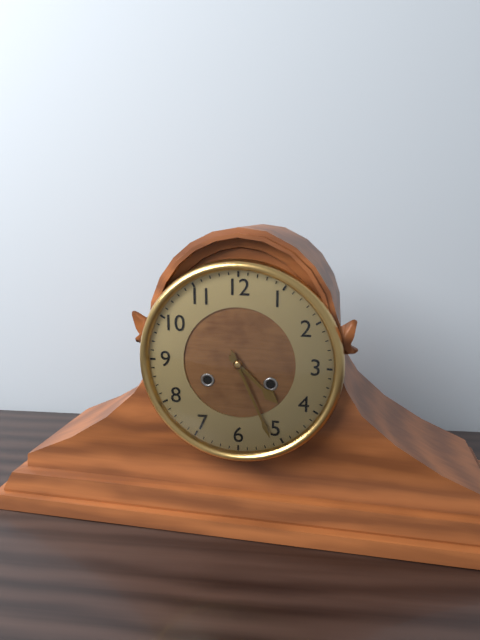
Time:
h=4 m=26
